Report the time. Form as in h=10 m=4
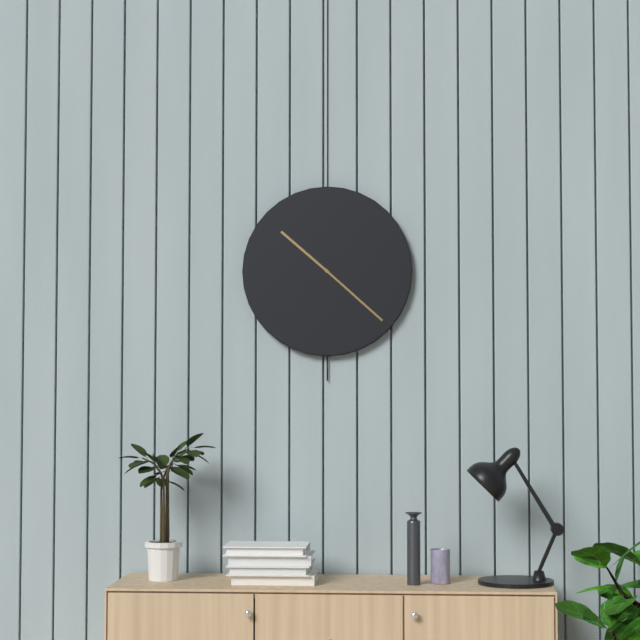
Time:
h=10 m=22
